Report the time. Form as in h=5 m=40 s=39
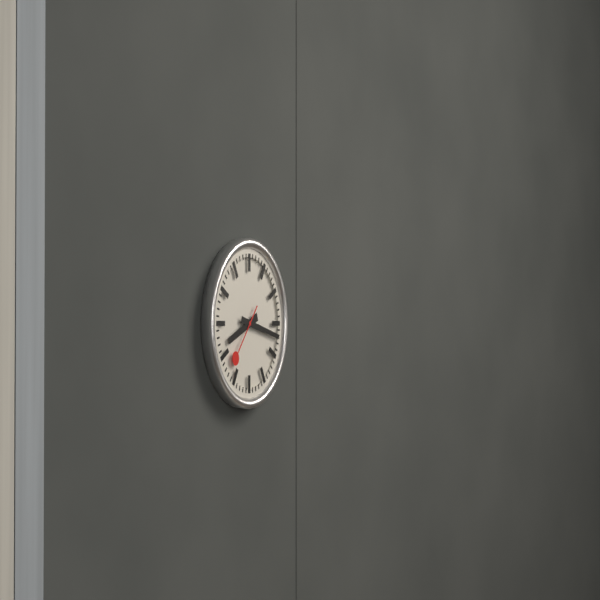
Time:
h=8 m=17 s=37
